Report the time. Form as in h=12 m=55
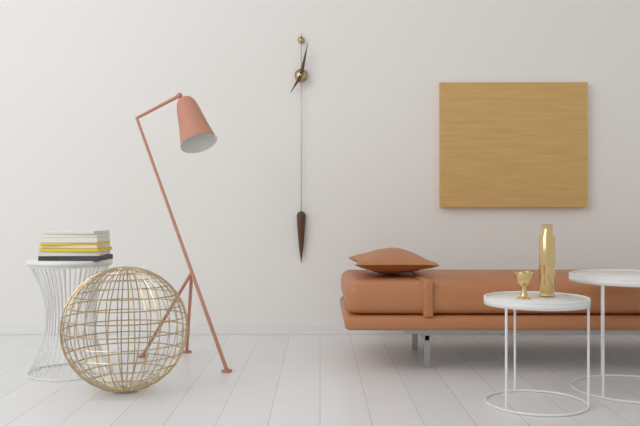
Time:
h=7 m=2
